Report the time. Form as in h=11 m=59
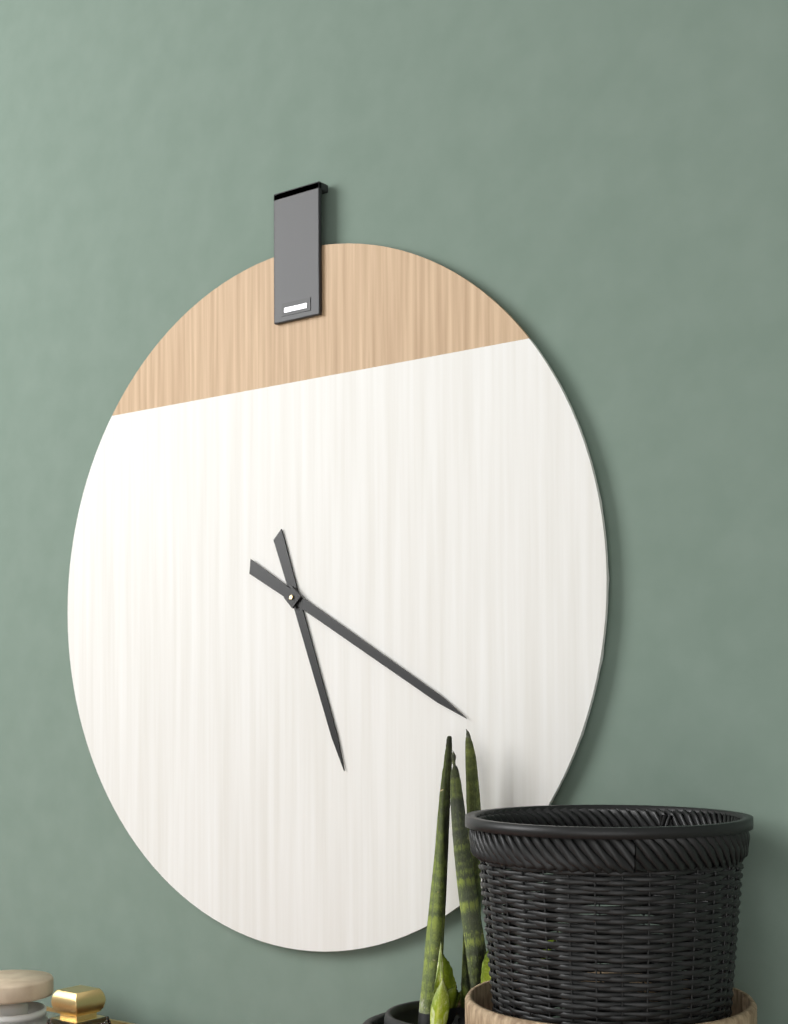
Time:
h=5 m=20
